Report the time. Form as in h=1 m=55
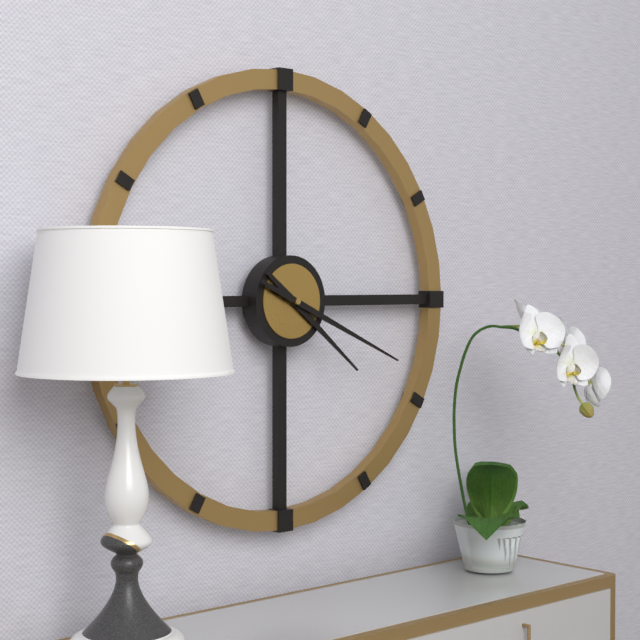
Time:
h=4 m=19
